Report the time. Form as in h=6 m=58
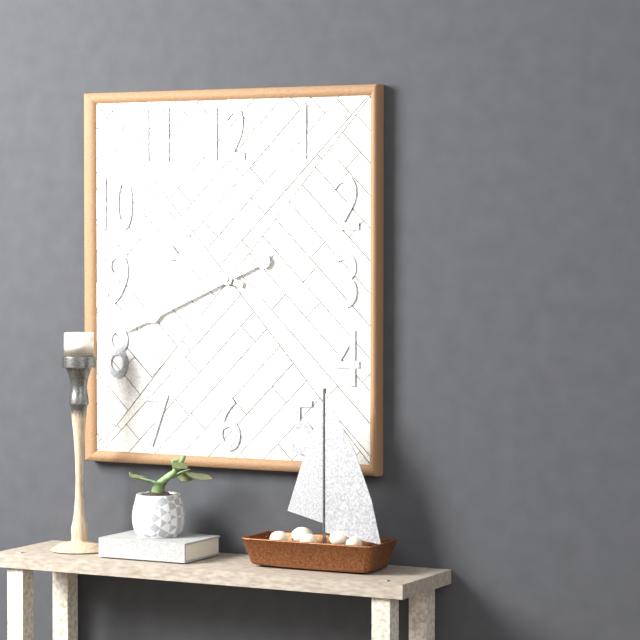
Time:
h=9 m=41
